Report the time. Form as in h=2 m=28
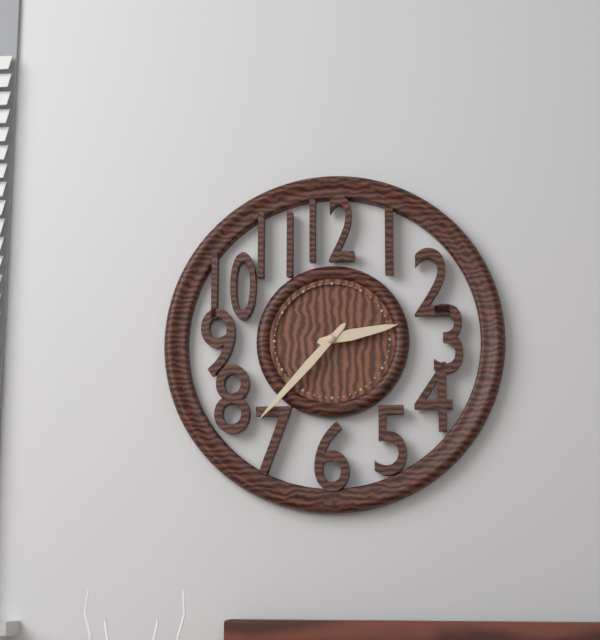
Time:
h=2 m=37
